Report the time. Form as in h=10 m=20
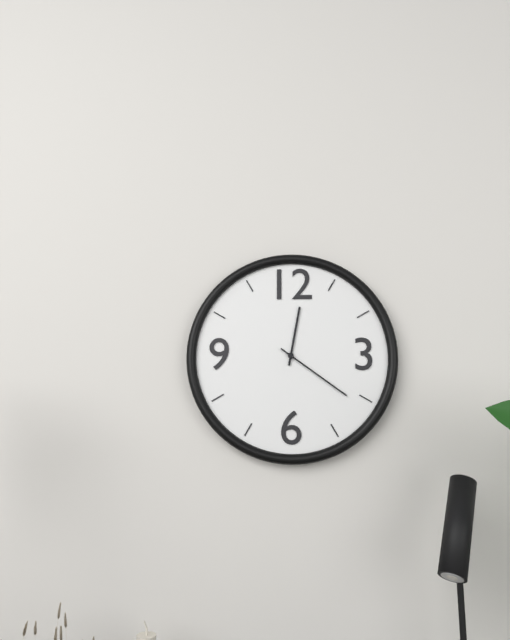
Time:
h=12 m=21
